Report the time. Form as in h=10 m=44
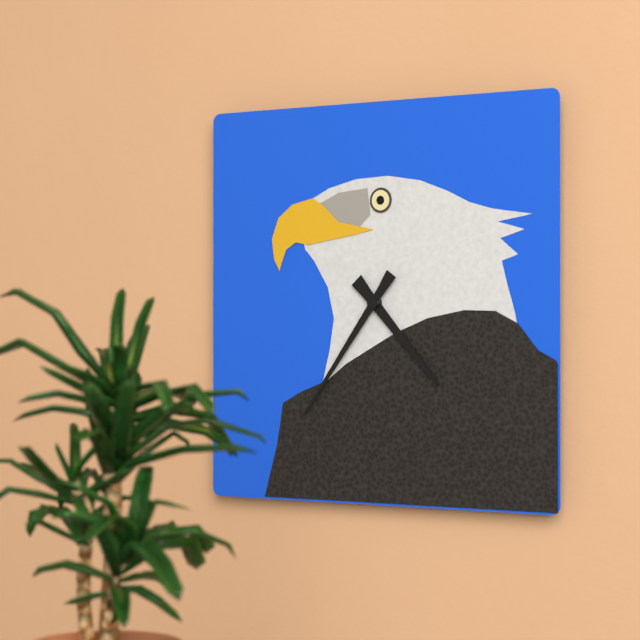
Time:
h=4 m=36
